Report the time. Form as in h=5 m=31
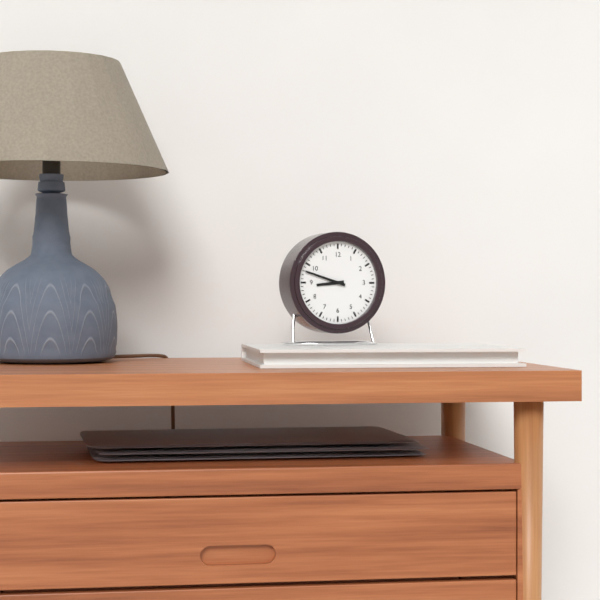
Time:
h=8 m=48
